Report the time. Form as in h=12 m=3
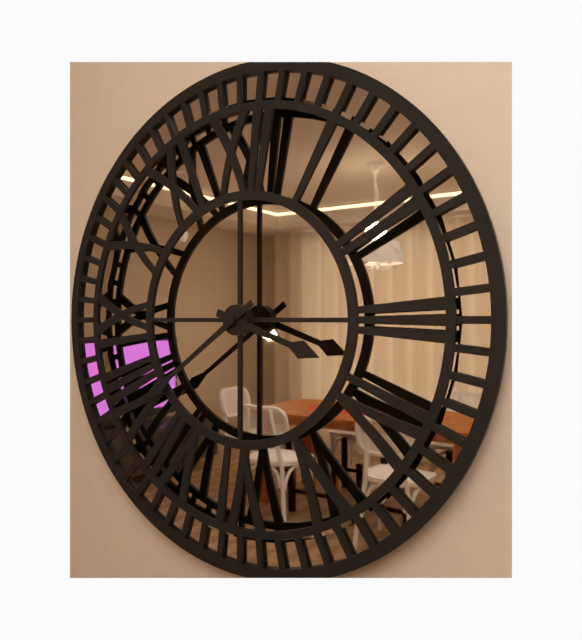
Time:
h=3 m=39
